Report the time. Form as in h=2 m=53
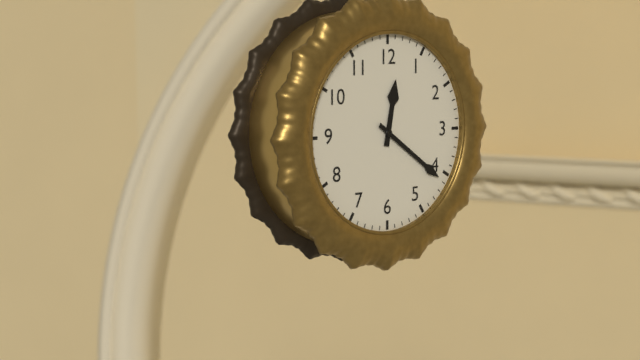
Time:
h=12 m=21
